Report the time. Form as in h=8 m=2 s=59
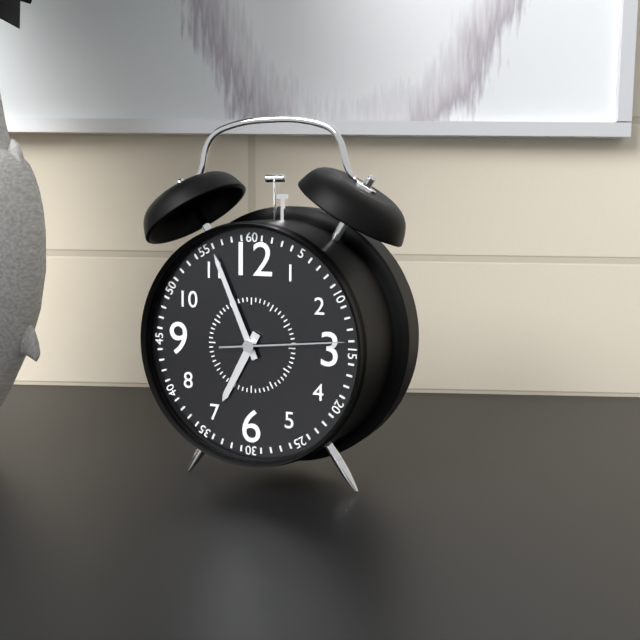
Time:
h=6 m=56 s=14
